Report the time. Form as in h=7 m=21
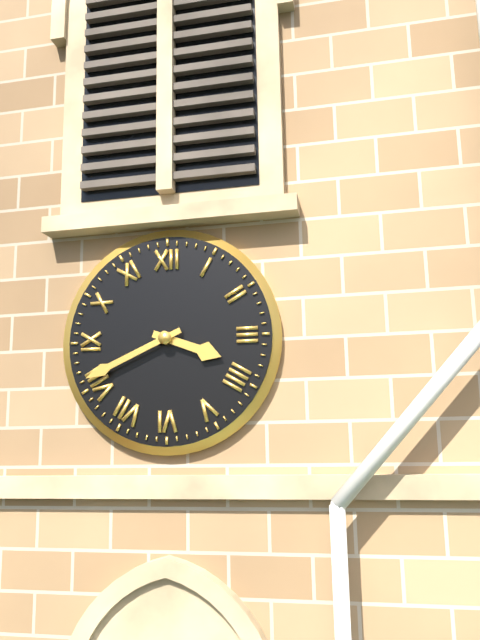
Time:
h=3 m=41
